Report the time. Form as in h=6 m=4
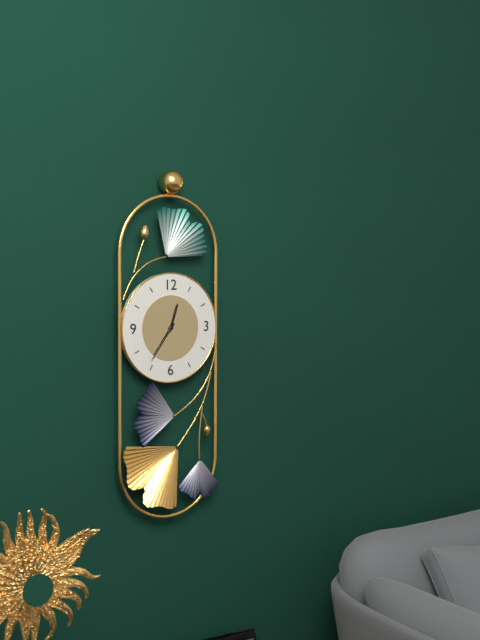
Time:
h=12 m=36
